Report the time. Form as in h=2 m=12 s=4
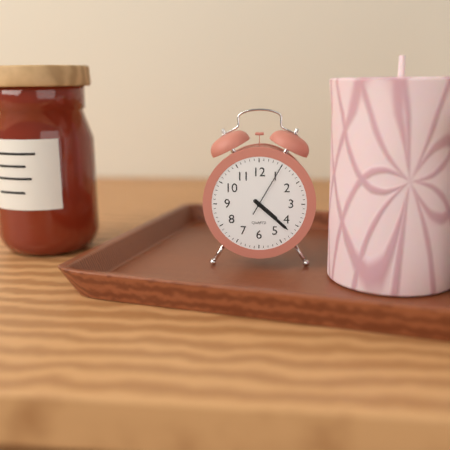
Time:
h=4 m=22 s=5
